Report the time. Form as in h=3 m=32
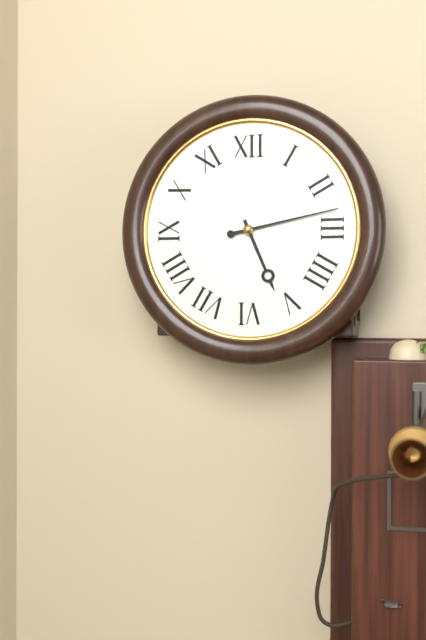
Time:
h=5 m=13
